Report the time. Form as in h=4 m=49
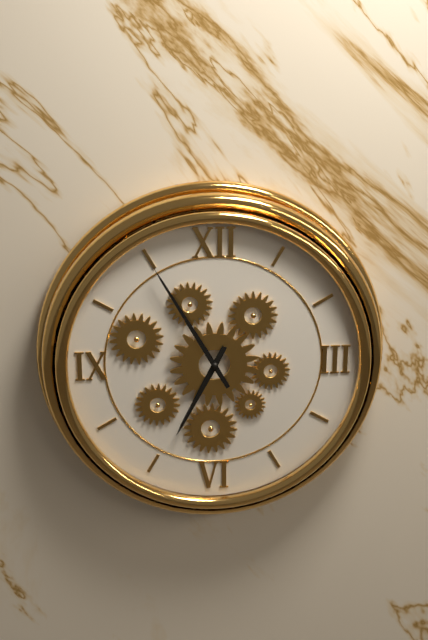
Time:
h=6 m=55
